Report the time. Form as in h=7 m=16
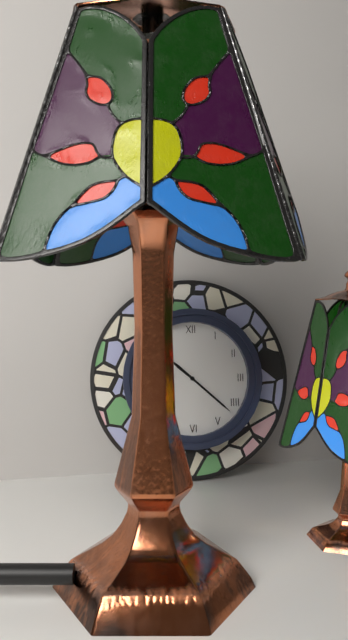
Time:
h=10 m=22
